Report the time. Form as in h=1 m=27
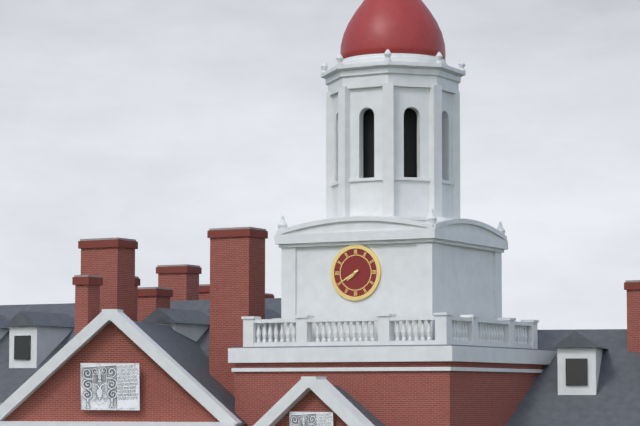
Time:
h=7 m=40
